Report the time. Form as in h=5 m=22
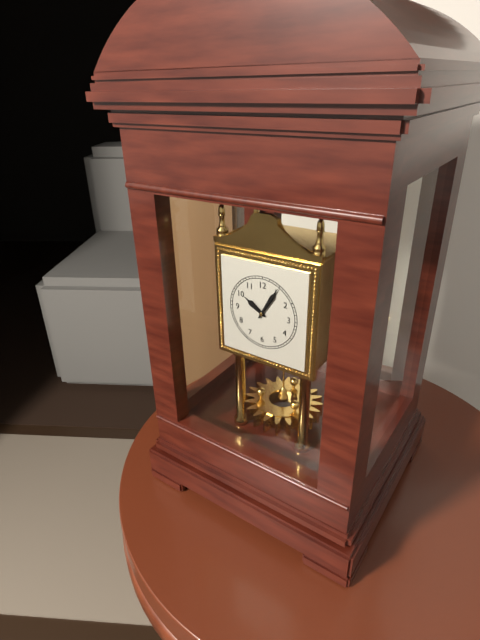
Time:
h=10 m=5
